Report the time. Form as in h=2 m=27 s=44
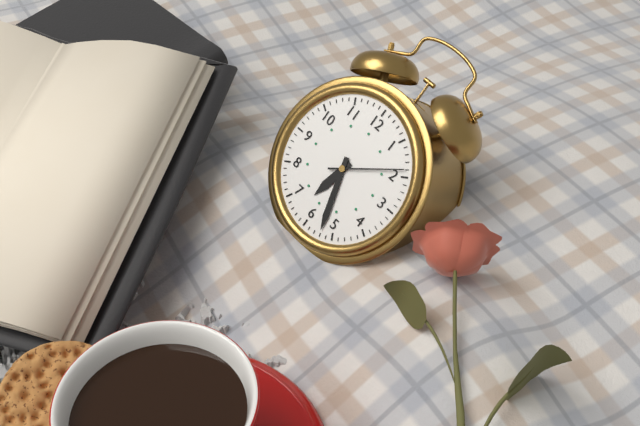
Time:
h=6 m=27 s=9
